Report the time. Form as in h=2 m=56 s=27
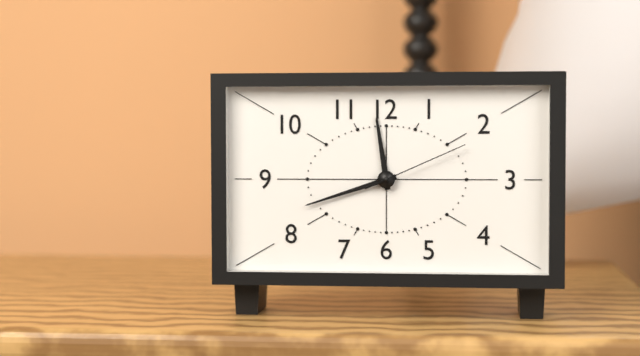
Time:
h=11 m=42 s=11
